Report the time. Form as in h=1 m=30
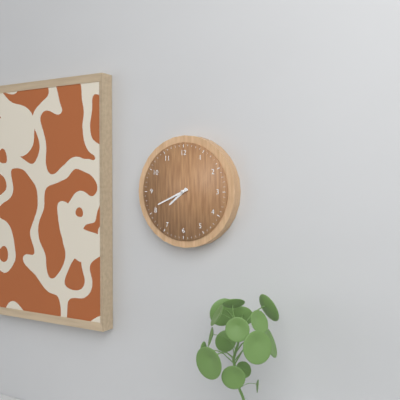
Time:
h=7 m=41
